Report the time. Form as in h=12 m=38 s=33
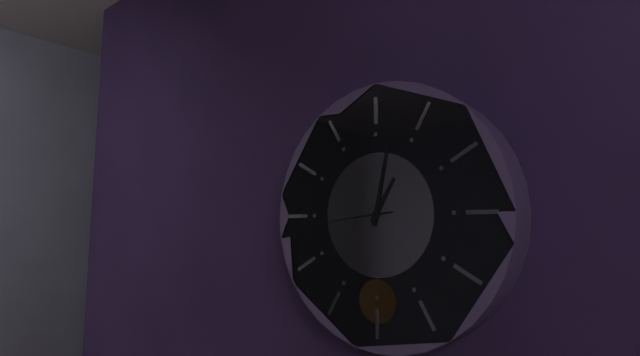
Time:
h=1 m=2 s=44
